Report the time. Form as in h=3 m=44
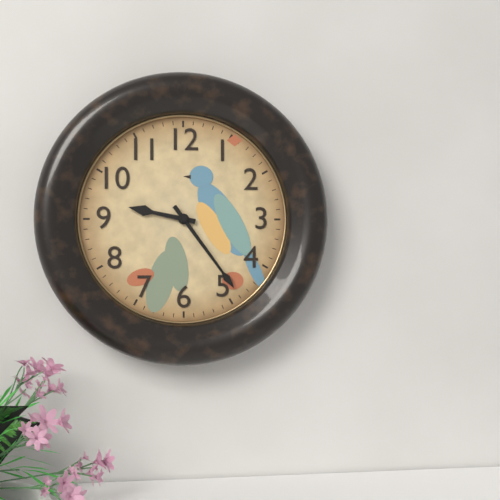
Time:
h=9 m=24
